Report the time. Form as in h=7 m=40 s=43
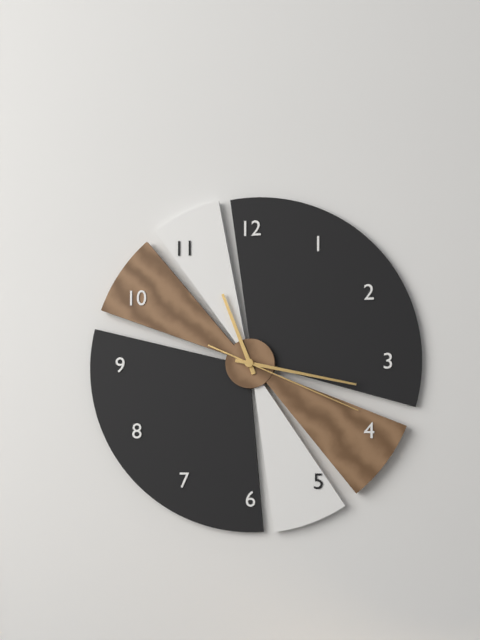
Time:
h=11 m=17 s=19
